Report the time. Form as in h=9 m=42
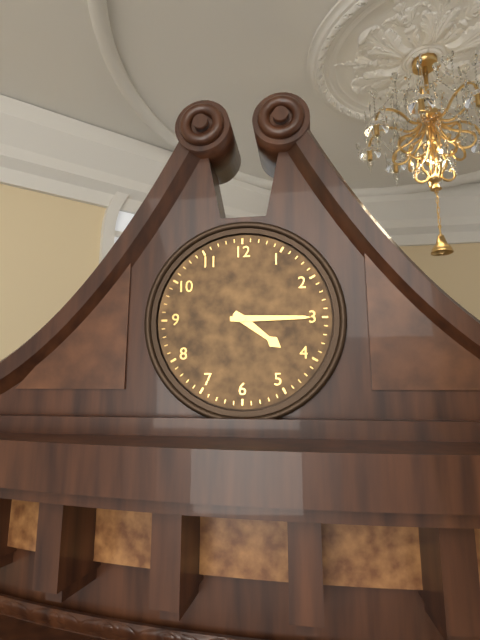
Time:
h=4 m=15
